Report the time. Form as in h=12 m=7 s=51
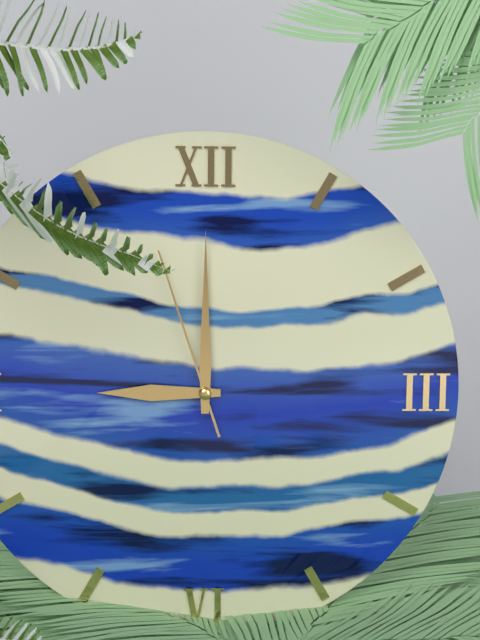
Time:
h=9 m=0 s=57
